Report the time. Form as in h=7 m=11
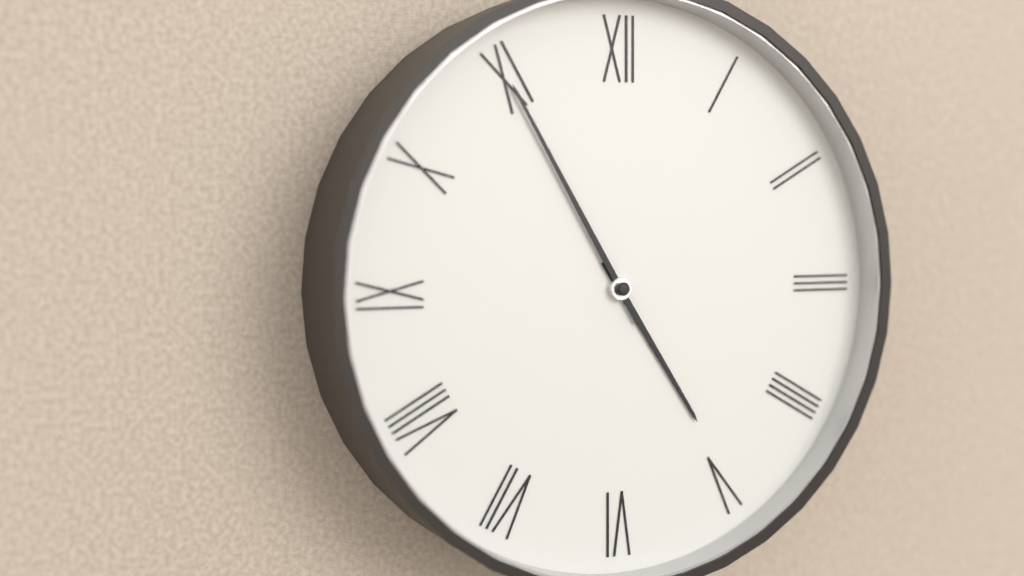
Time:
h=4 m=55
